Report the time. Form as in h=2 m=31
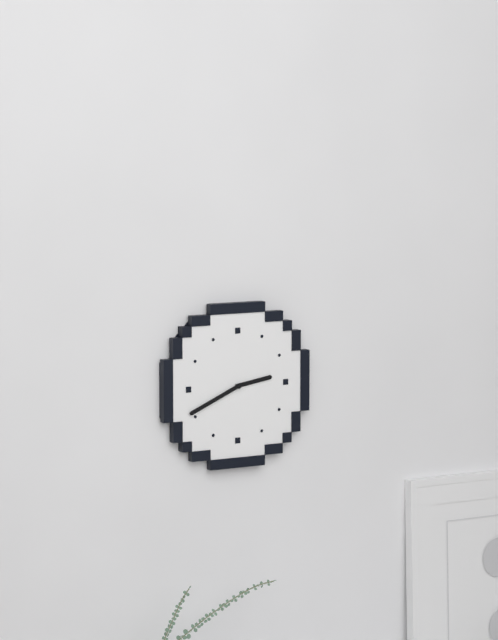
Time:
h=2 m=41
